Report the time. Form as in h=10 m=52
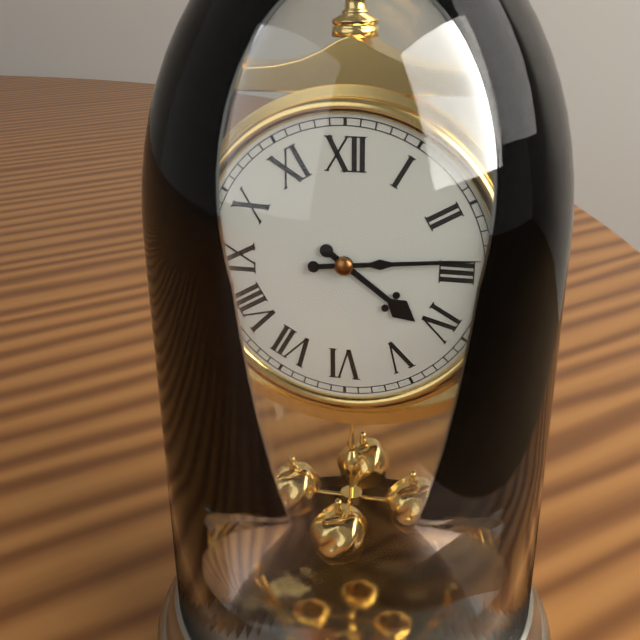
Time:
h=4 m=14
